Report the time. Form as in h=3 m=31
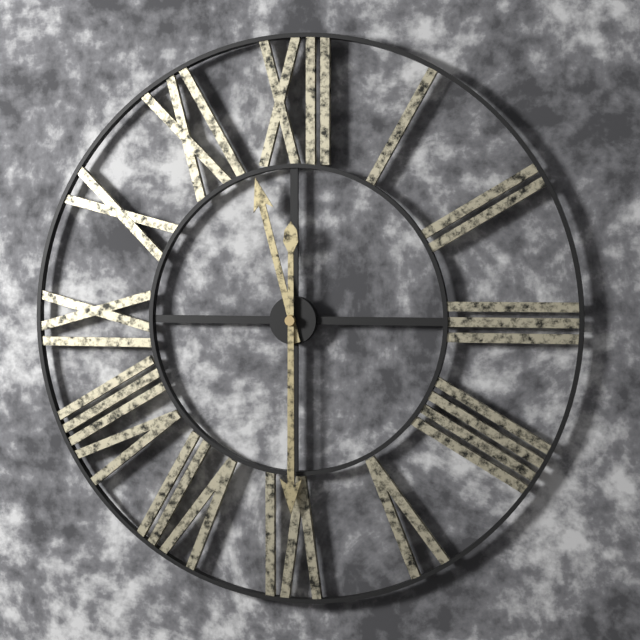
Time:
h=11 m=30
